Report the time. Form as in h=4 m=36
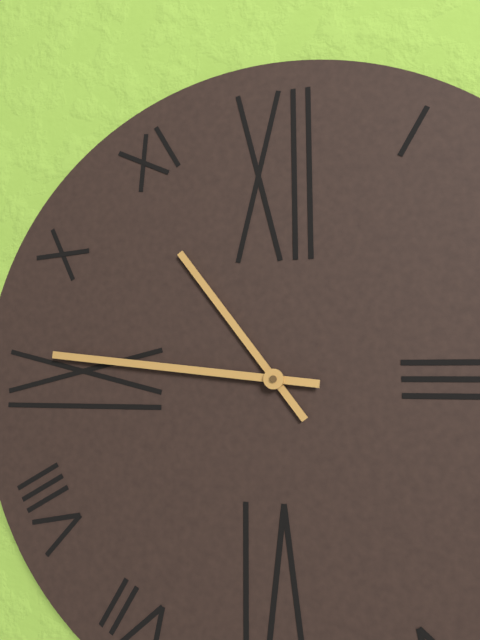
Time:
h=10 m=46
